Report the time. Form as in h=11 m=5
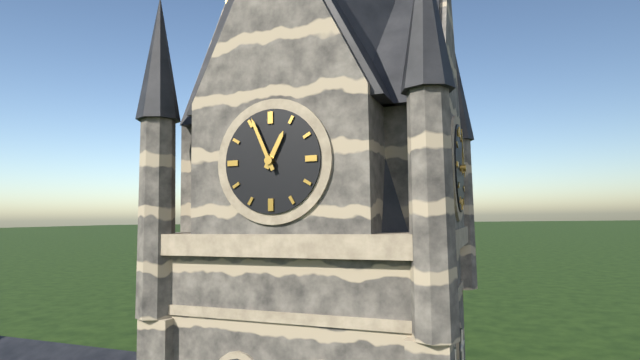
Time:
h=12 m=56
